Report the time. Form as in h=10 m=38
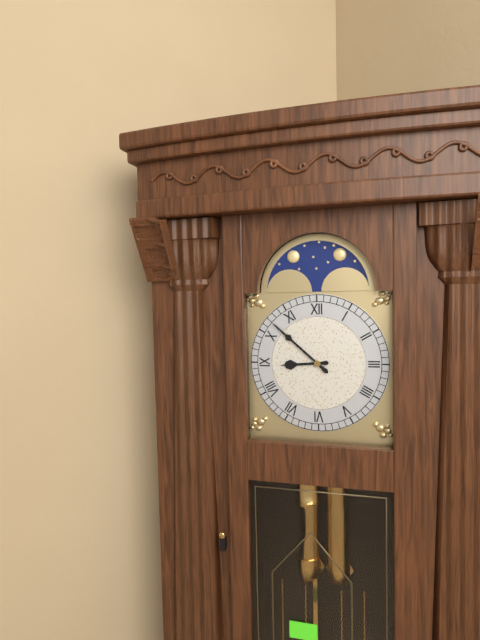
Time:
h=8 m=52
